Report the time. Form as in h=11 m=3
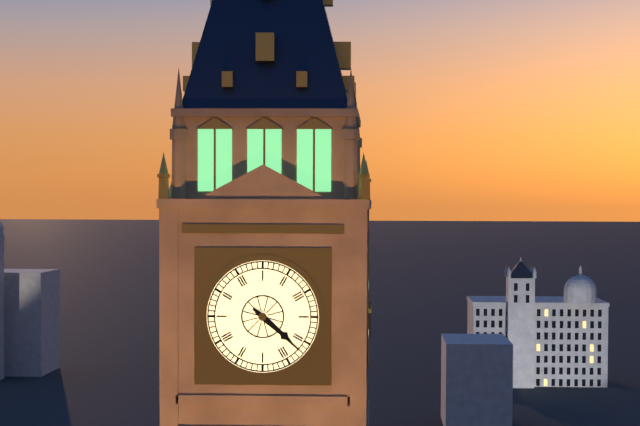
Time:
h=4 m=22
